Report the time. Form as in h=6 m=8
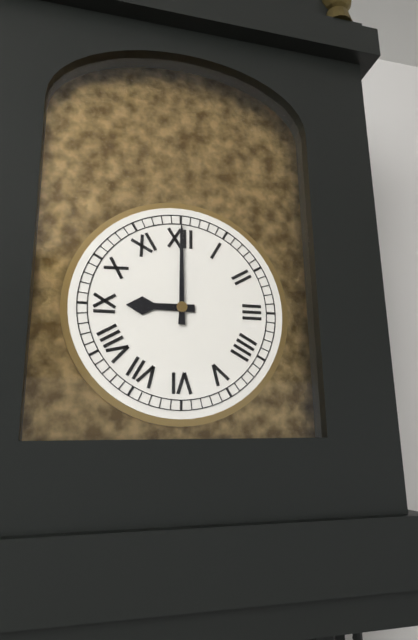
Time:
h=9 m=0
